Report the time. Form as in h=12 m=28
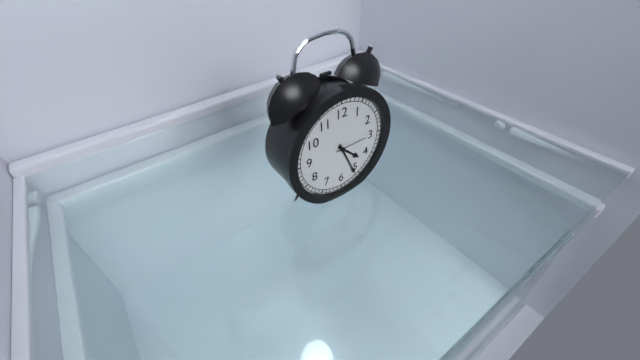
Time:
h=4 m=26
